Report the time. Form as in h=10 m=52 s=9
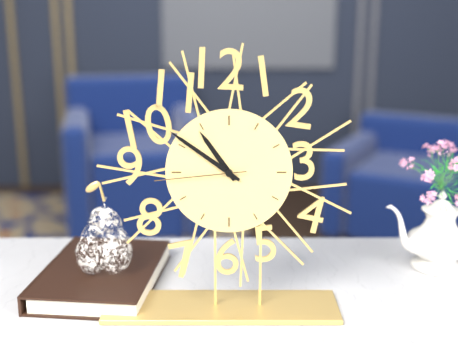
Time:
h=10 m=51 s=44
